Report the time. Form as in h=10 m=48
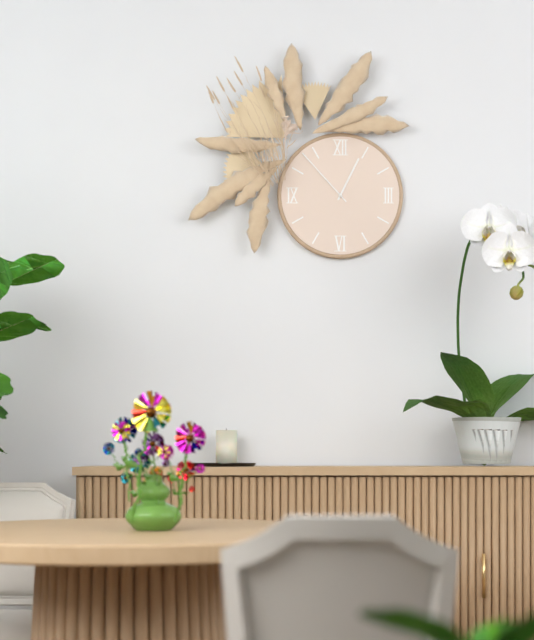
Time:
h=12 m=53
